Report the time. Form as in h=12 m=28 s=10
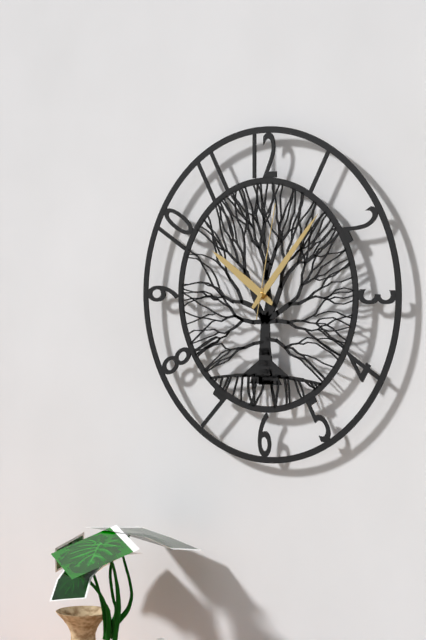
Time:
h=10 m=7 s=2
